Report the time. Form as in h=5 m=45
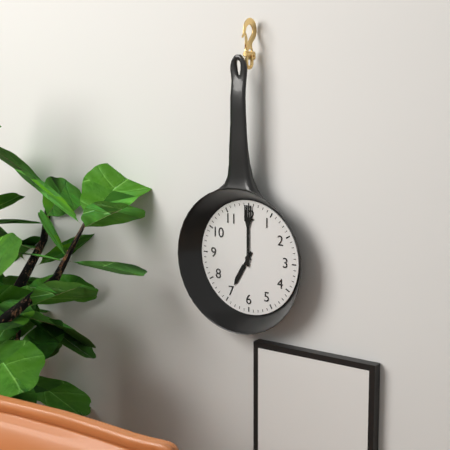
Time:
h=7 m=0
